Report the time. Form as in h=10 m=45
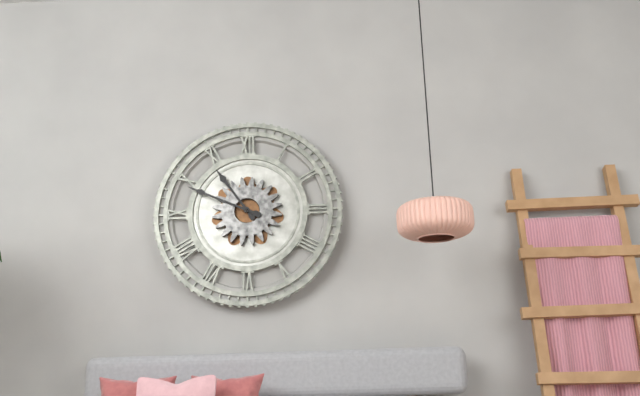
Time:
h=10 m=49
